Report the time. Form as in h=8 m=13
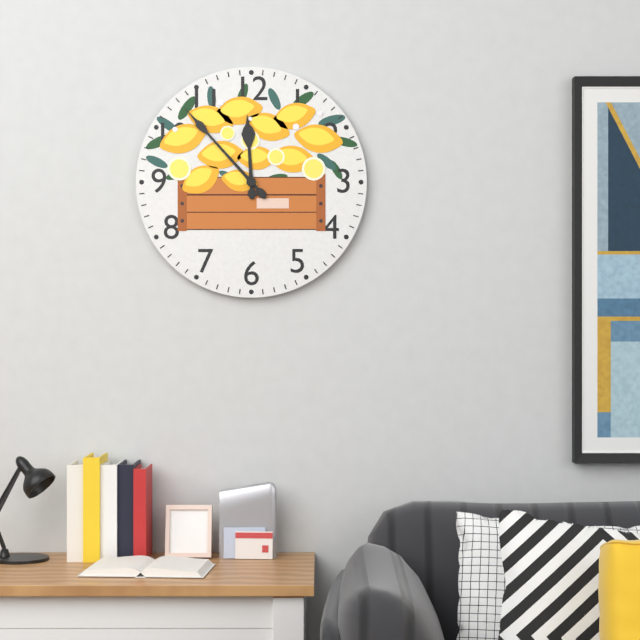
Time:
h=11 m=53
